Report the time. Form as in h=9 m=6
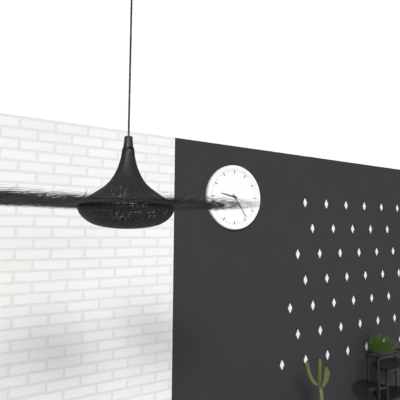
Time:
h=9 m=24
